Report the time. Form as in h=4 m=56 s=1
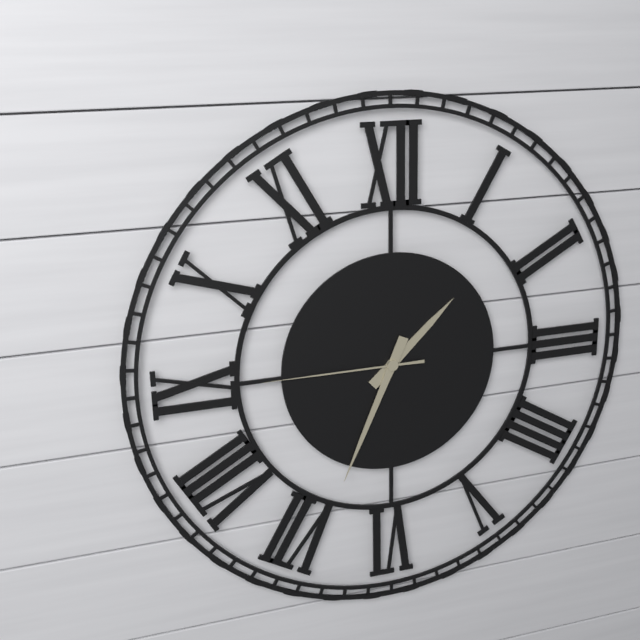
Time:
h=1 m=34 s=45
